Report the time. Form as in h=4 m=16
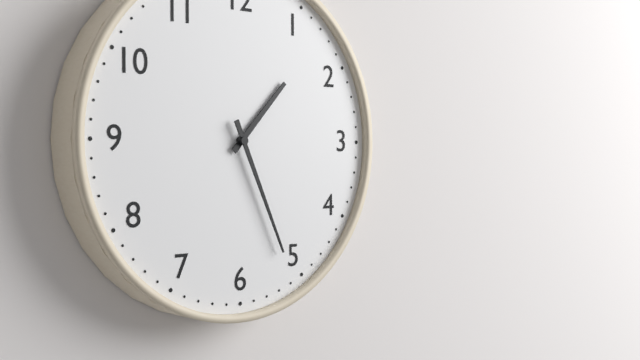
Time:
h=1 m=26
